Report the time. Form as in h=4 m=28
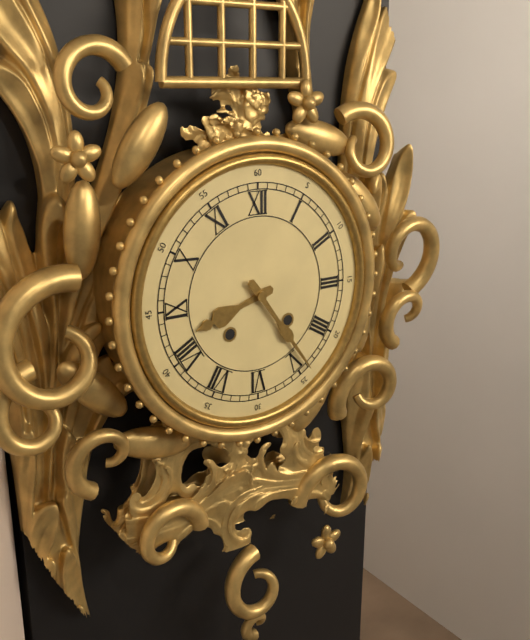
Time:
h=8 m=24
